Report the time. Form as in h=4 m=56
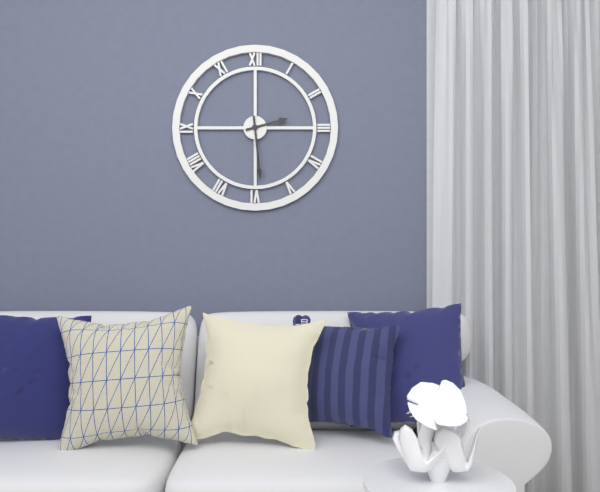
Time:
h=2 m=29
